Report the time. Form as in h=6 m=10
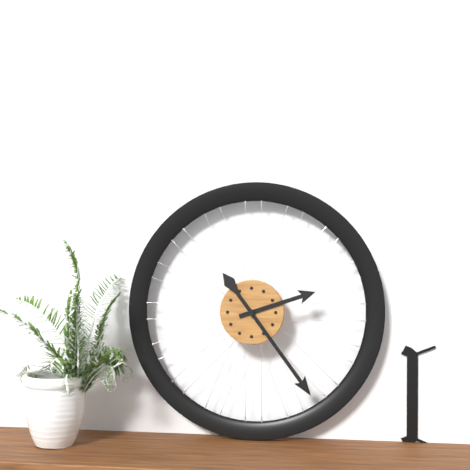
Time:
h=2 m=24
